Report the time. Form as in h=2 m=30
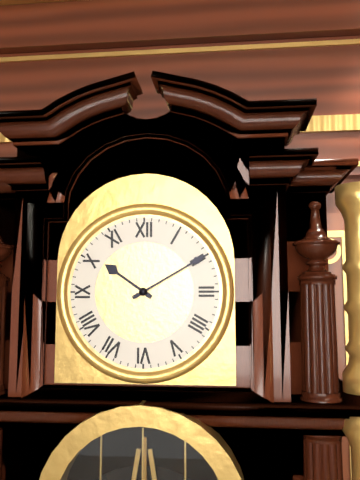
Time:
h=10 m=10
